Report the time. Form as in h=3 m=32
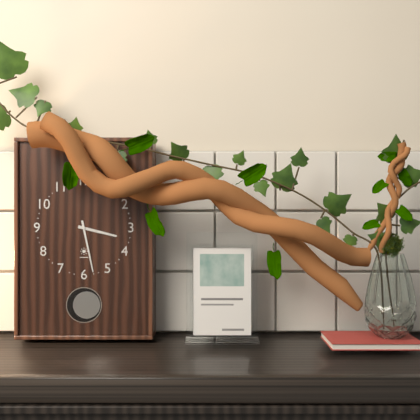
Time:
h=3 m=28
